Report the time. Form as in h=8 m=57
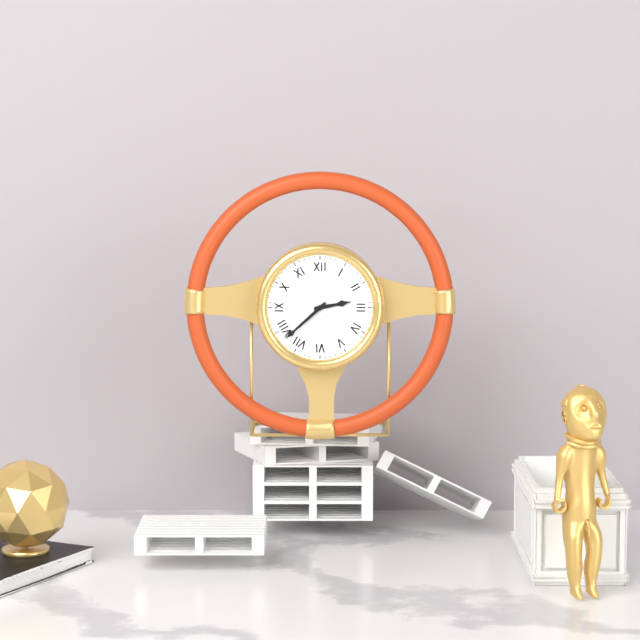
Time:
h=2 m=38
